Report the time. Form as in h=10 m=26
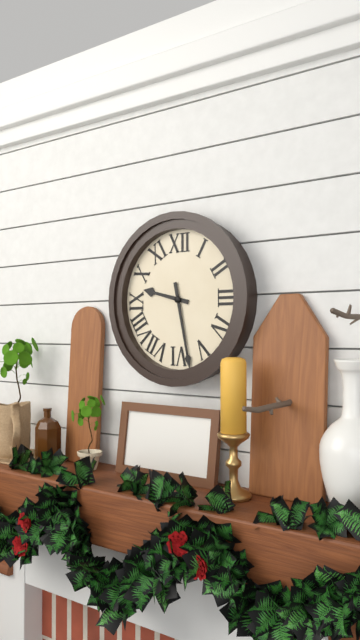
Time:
h=9 m=28
